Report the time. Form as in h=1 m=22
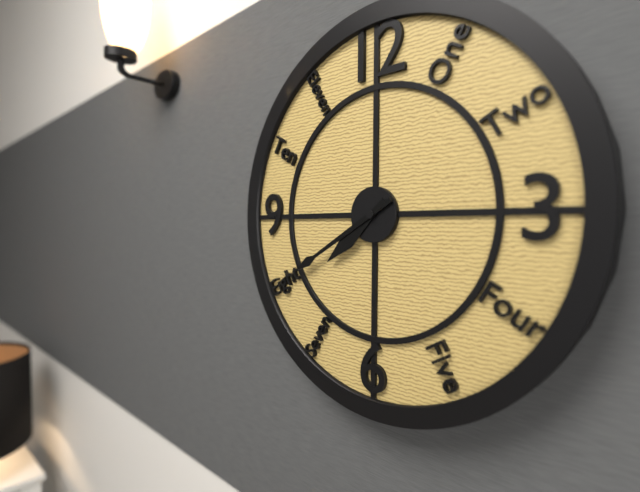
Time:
h=7 m=40
